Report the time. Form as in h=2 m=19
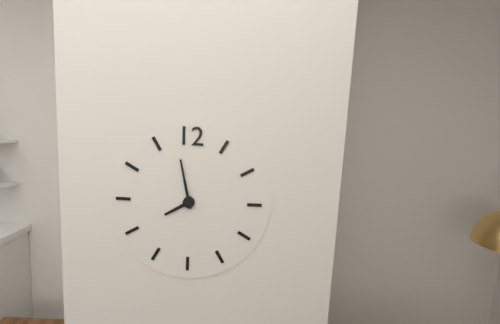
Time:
h=7 m=58
